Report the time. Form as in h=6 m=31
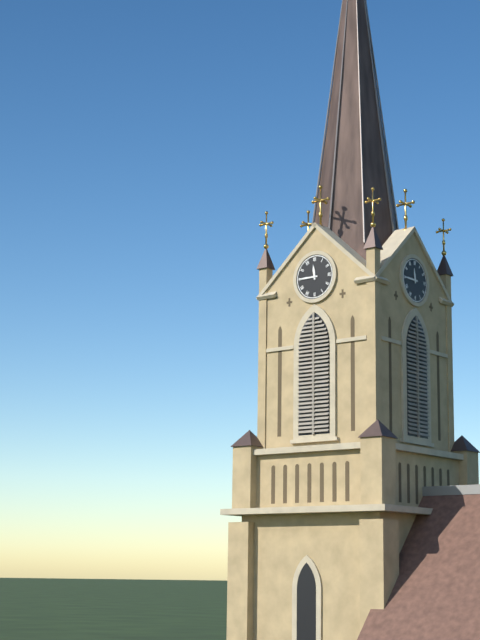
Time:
h=11 m=45
